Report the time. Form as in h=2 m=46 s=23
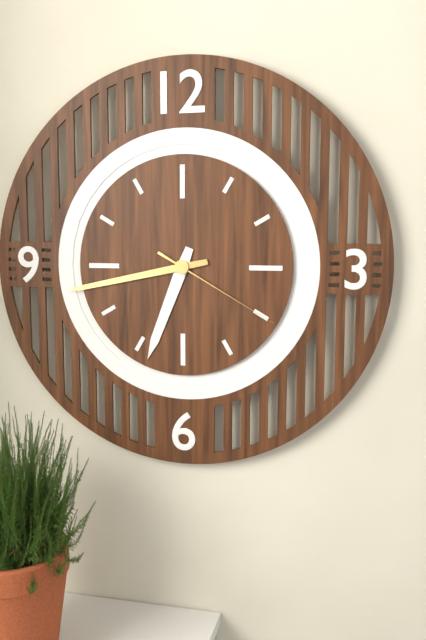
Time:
h=6 m=43 s=20
